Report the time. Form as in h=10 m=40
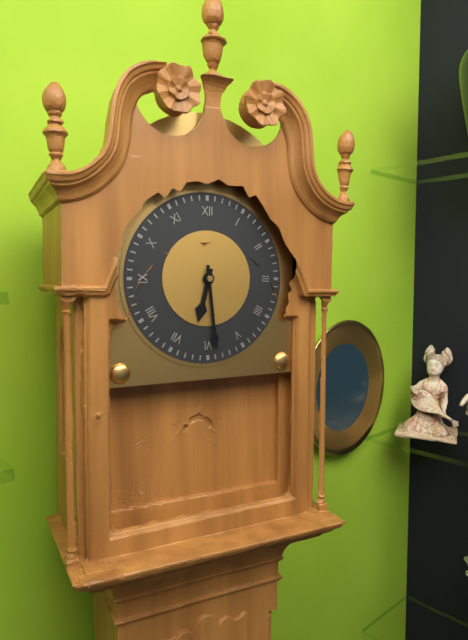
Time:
h=6 m=29
